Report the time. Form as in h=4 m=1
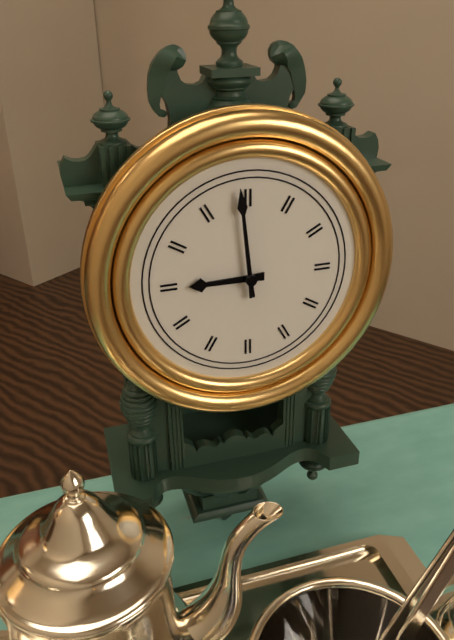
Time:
h=8 m=59
